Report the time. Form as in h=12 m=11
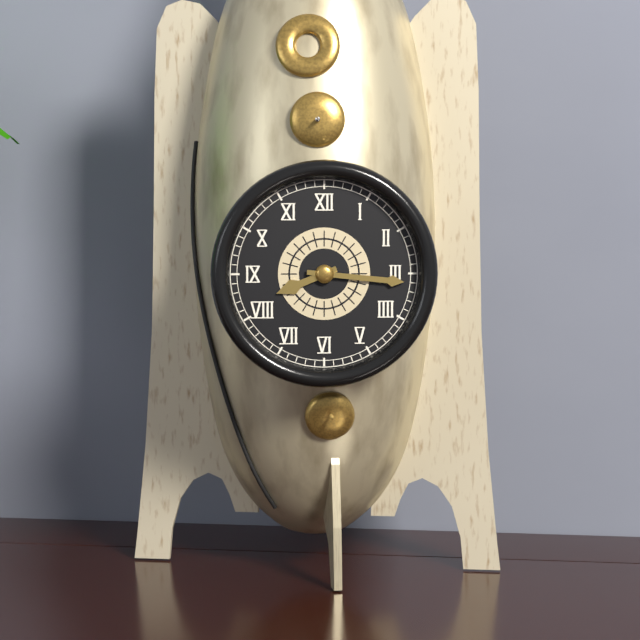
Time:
h=8 m=16
